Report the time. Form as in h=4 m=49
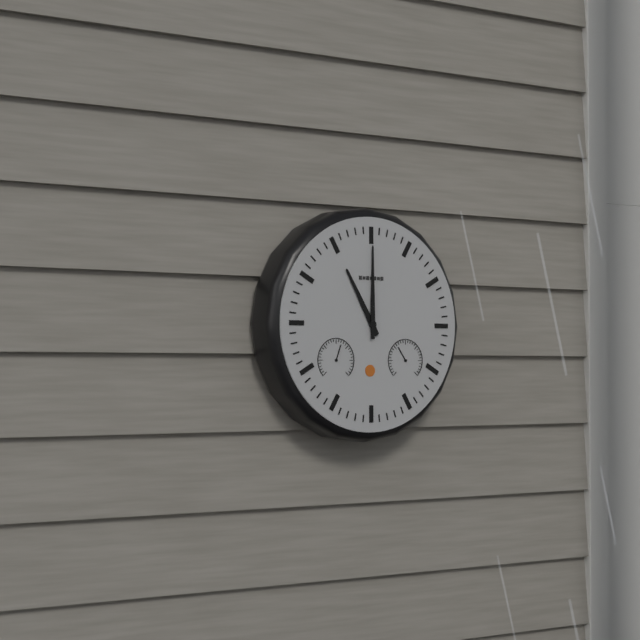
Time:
h=11 m=0
